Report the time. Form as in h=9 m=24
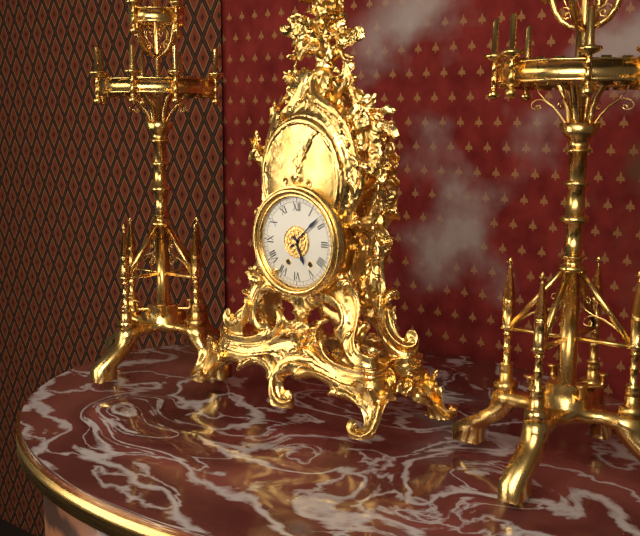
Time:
h=5 m=8
